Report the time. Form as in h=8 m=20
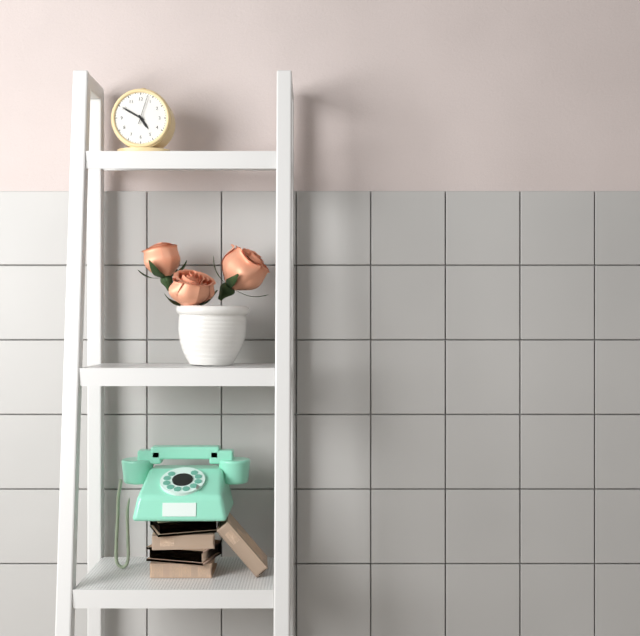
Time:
h=4 m=50
